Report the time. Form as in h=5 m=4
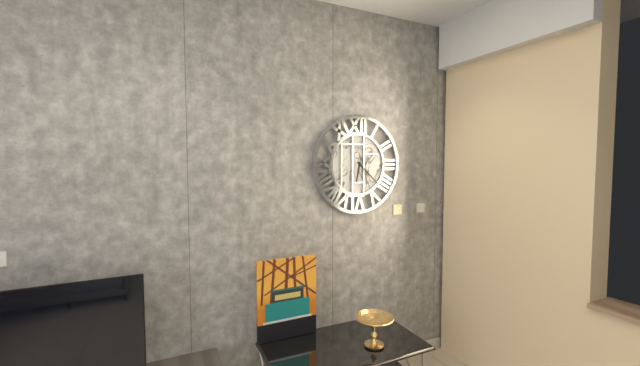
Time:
h=6 m=22
